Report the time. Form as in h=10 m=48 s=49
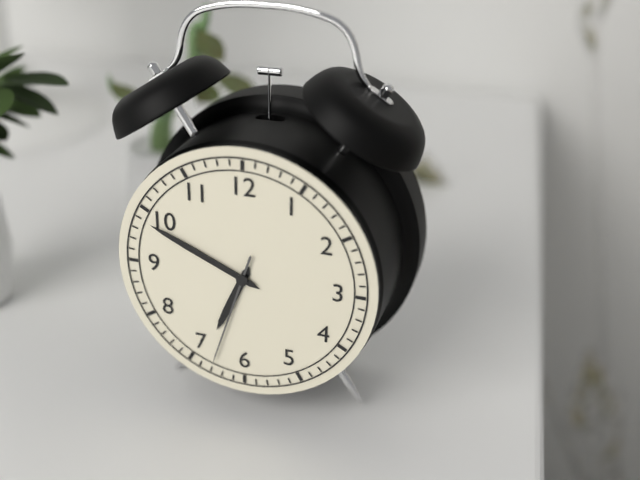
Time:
h=6 m=49 s=33
